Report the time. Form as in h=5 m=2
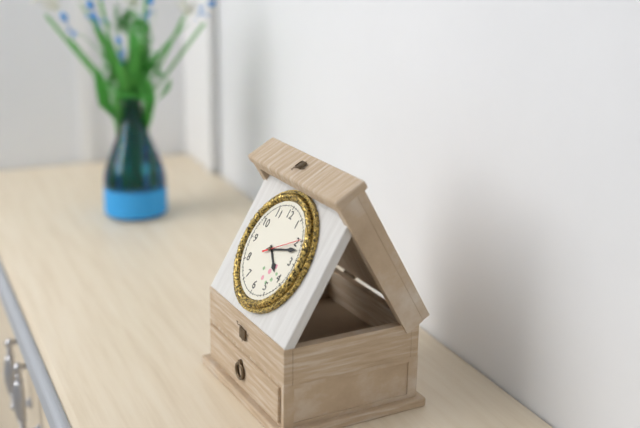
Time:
h=4 m=12
